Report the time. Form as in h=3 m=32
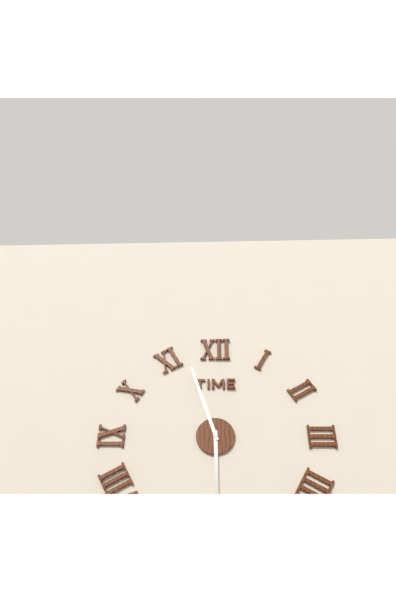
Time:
h=5 m=57
